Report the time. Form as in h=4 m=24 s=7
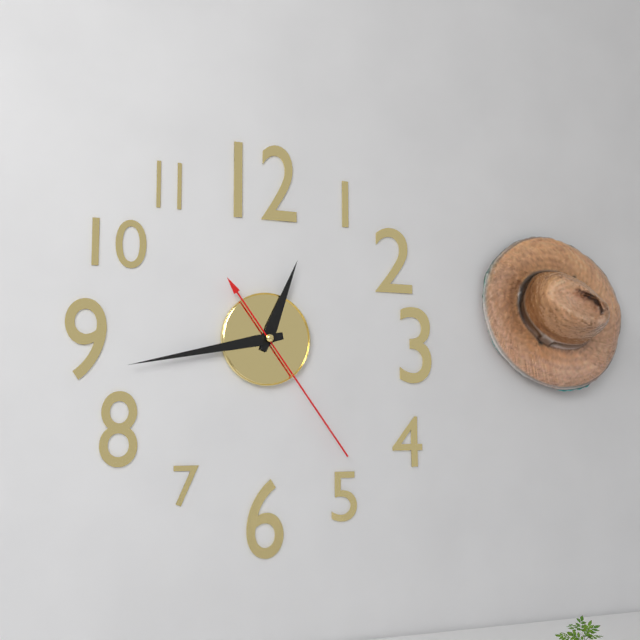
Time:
h=12 m=43 s=24
